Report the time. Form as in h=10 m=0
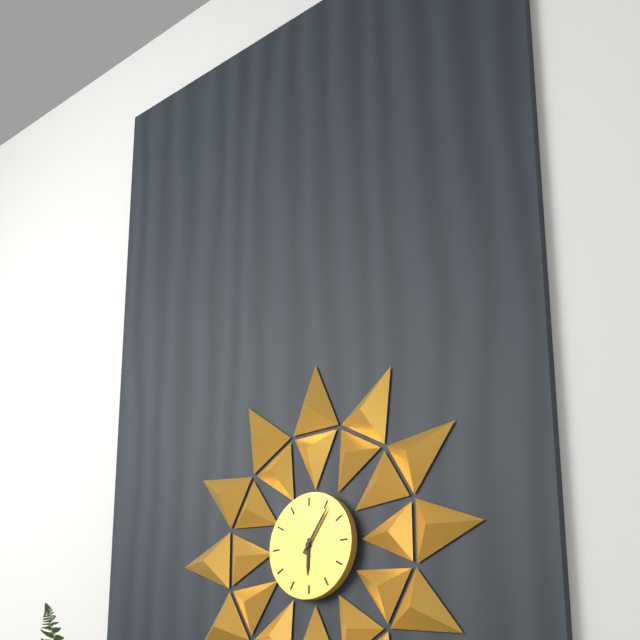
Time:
h=6 m=6
